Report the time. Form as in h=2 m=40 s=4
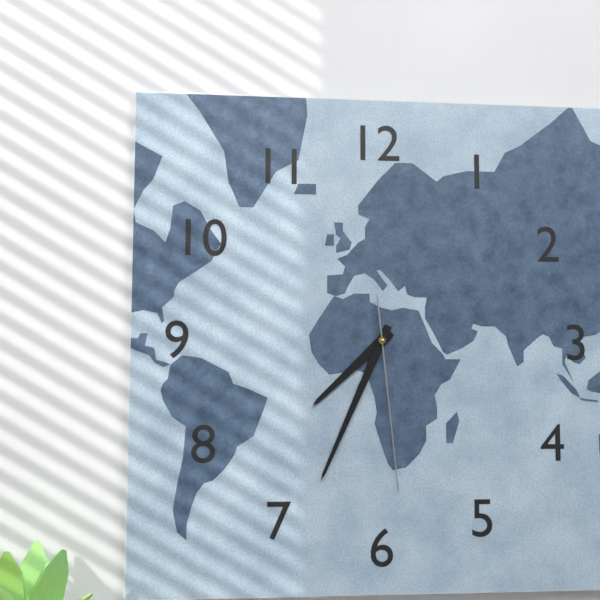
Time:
h=7 m=34 s=29
